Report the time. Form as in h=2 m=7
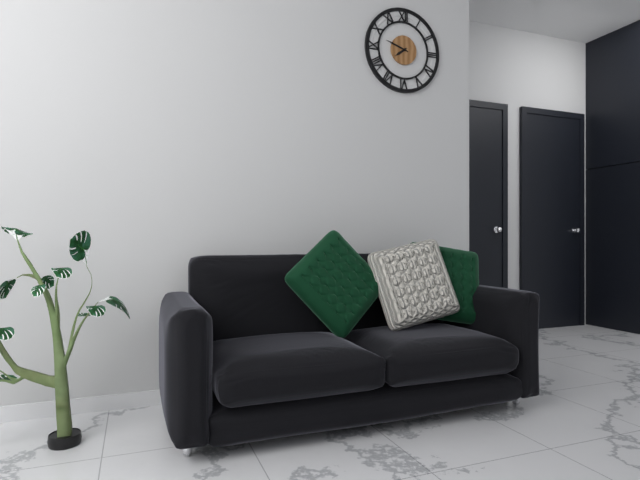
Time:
h=7 m=48
